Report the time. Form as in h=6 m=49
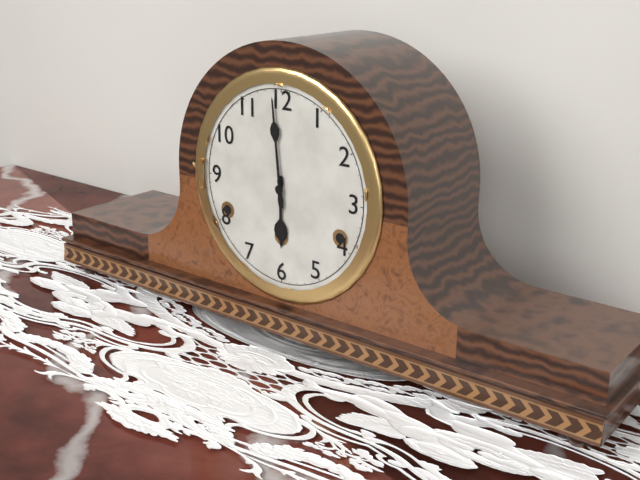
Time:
h=5 m=59
